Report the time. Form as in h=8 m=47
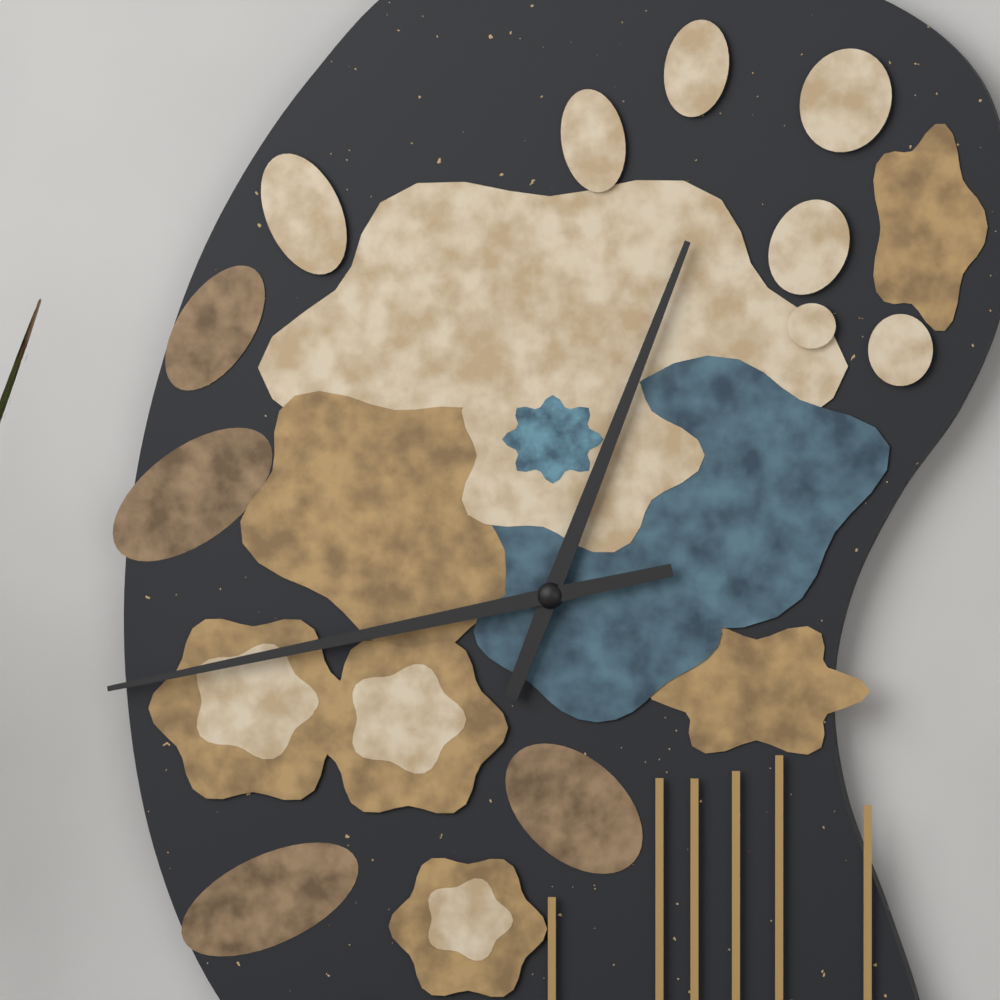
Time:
h=12 m=43
